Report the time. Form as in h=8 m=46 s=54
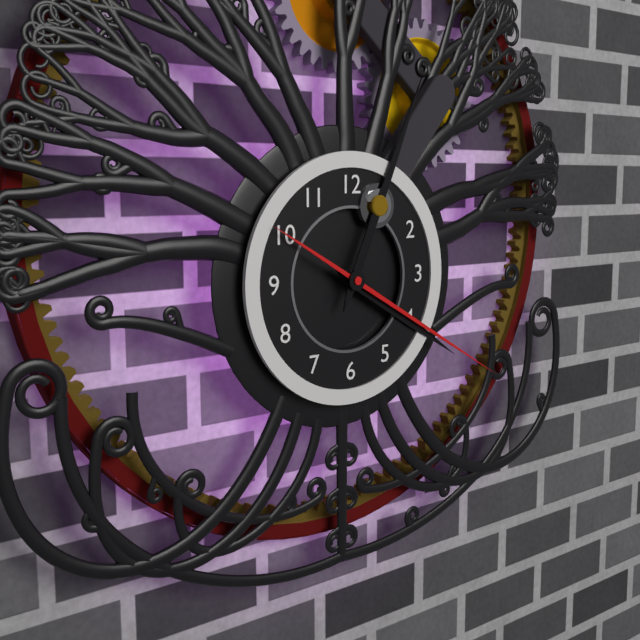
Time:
h=4 m=4 s=20
